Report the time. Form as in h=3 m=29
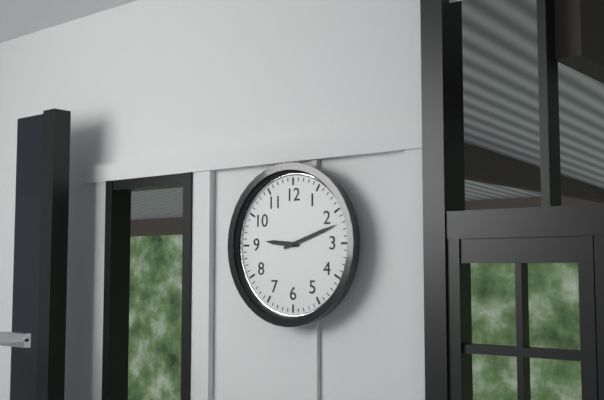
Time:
h=9 m=12
